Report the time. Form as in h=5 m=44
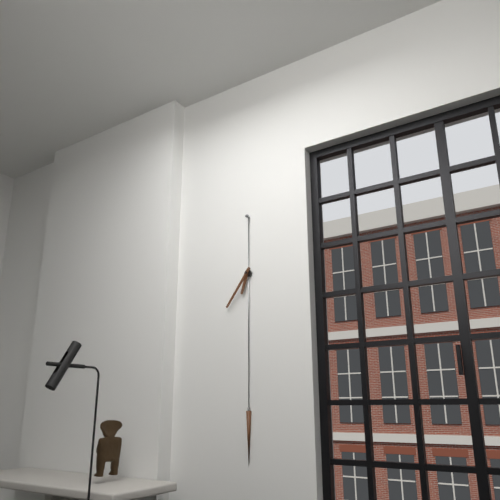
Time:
h=6 m=36
